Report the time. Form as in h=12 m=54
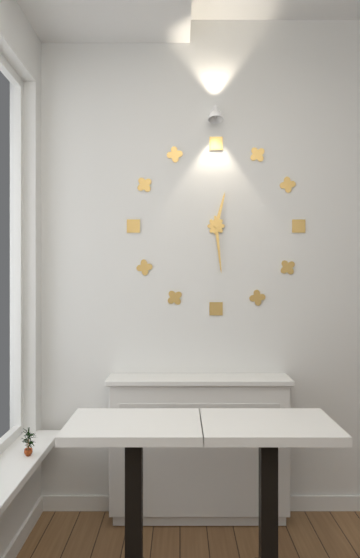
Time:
h=12 m=29
